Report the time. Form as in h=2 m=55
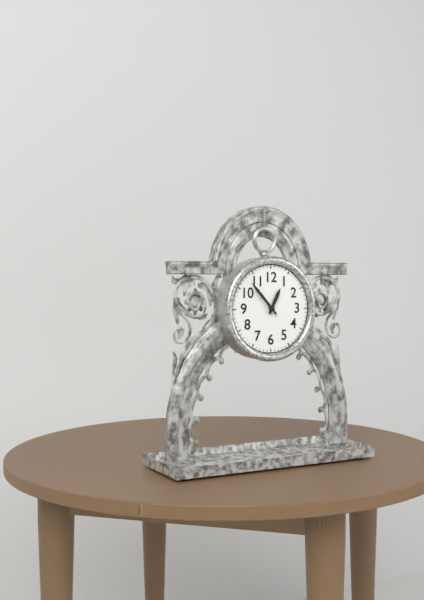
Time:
h=12 m=53
